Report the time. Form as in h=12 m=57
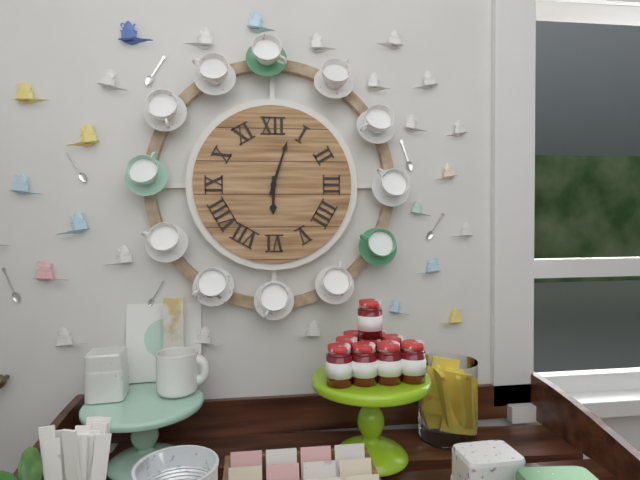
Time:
h=6 m=3
